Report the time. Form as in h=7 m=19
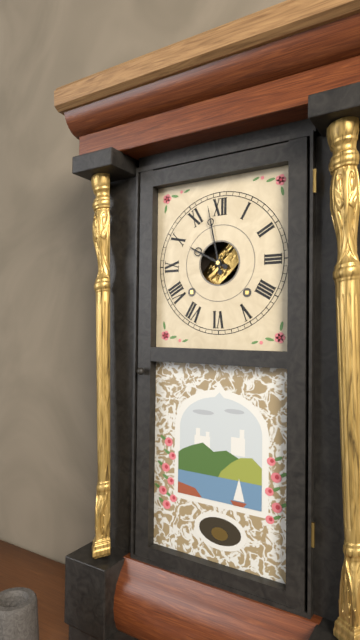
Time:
h=9 m=58
